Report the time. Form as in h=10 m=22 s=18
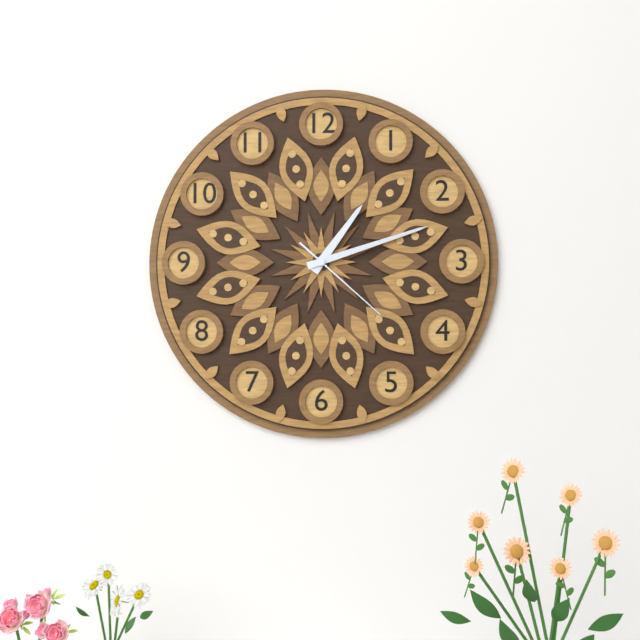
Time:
h=1 m=12 s=22
